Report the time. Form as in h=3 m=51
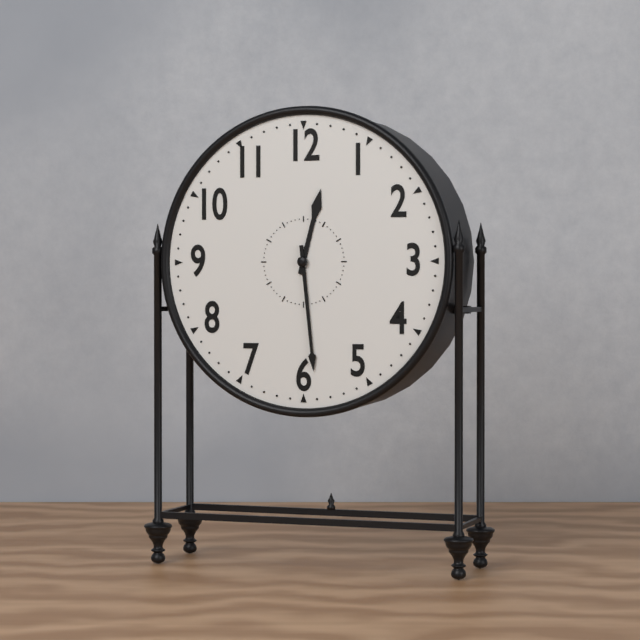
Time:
h=12 m=29
